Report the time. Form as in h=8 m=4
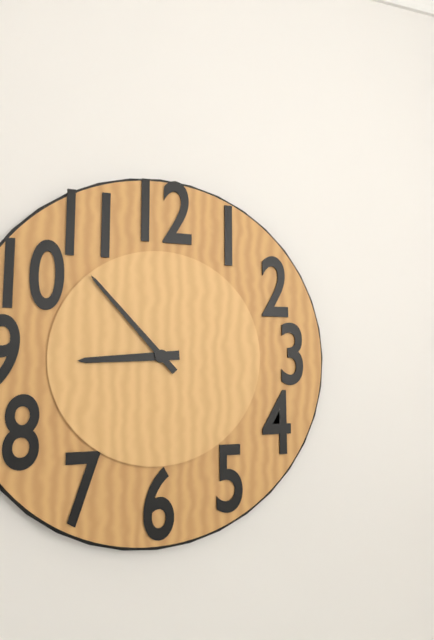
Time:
h=8 m=53
